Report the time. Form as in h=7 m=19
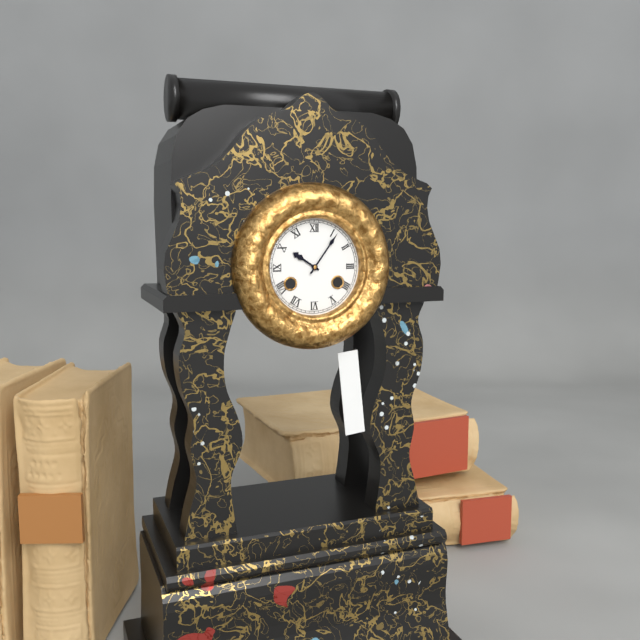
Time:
h=10 m=6
